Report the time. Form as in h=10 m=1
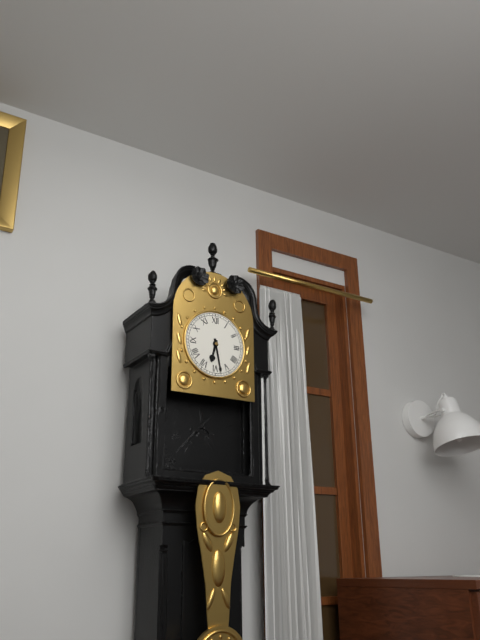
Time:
h=6 m=28
